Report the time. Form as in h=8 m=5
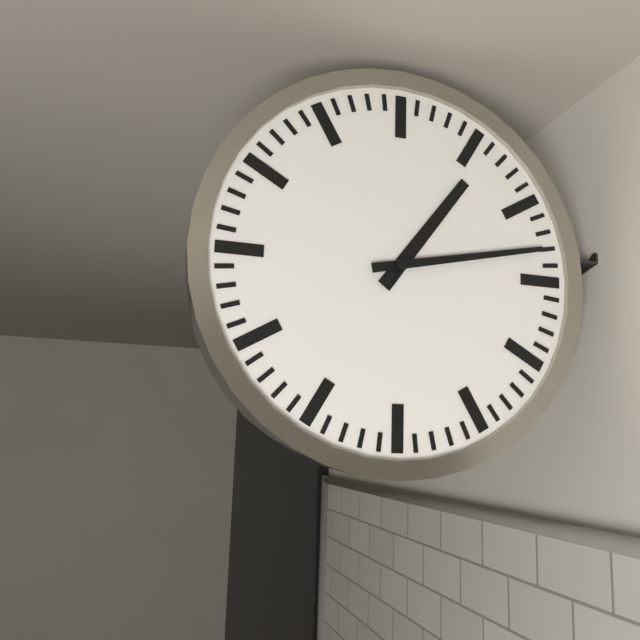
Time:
h=1 m=13
